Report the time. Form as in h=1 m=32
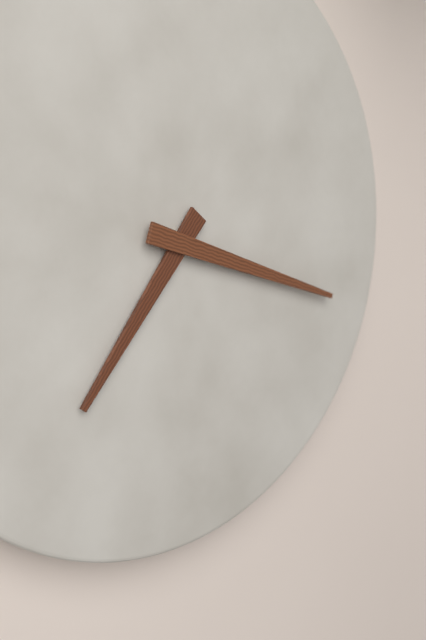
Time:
h=7 m=18
